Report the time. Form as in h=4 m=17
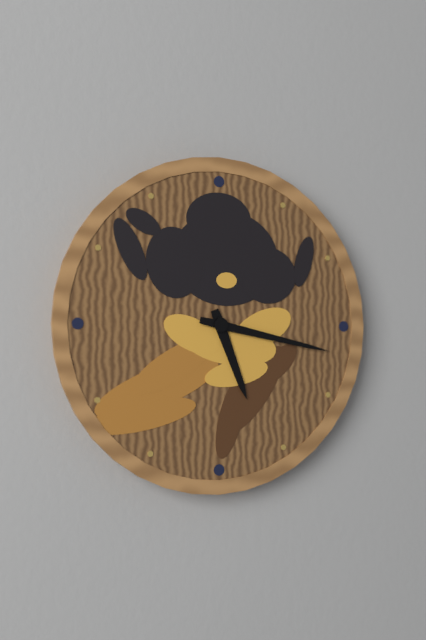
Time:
h=5 m=17
